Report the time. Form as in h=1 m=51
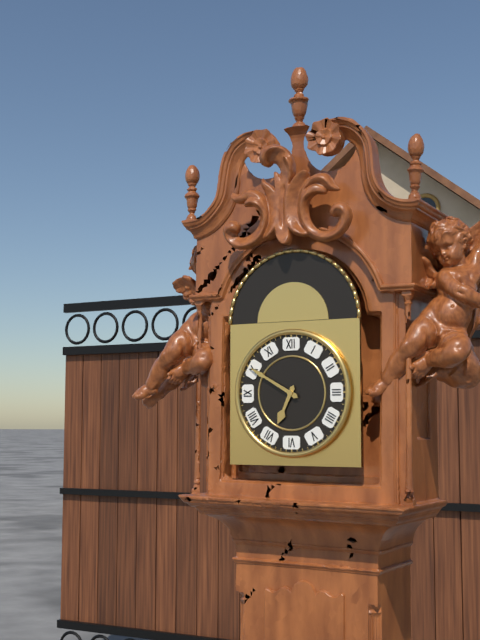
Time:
h=6 m=50
